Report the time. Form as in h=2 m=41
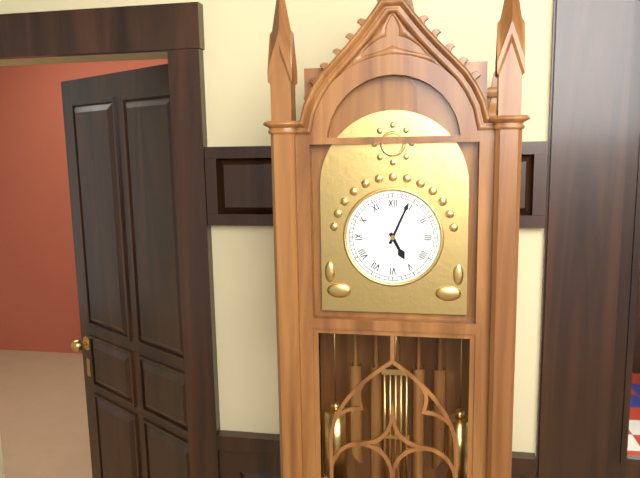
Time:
h=5 m=4
